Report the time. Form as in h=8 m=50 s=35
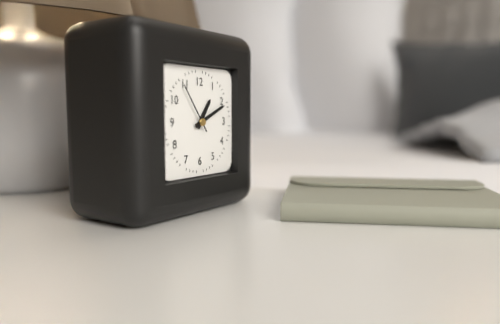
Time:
h=1 m=11 s=54
